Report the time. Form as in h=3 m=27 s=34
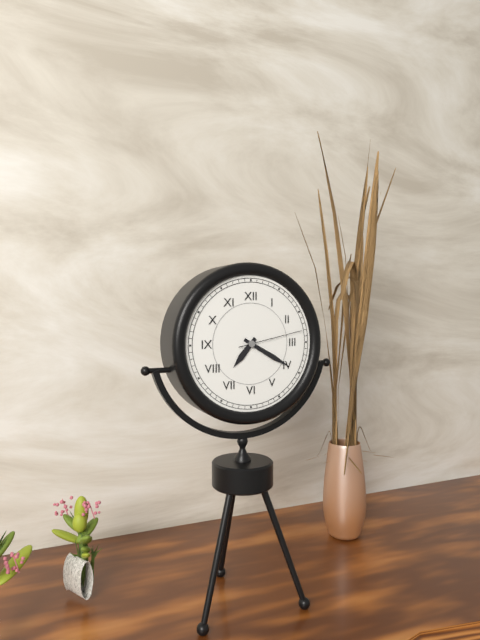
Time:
h=7 m=20 s=13
